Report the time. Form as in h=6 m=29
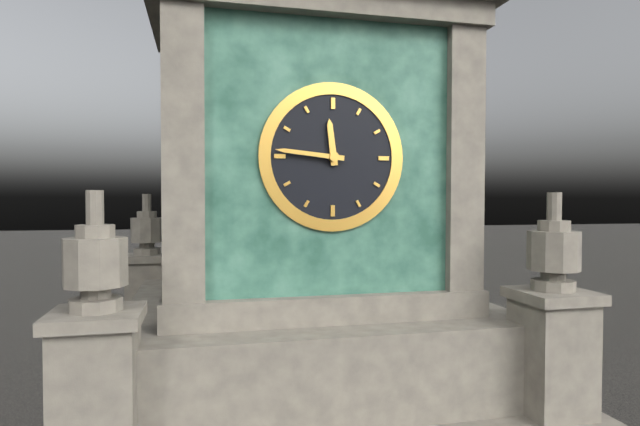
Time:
h=11 m=46
